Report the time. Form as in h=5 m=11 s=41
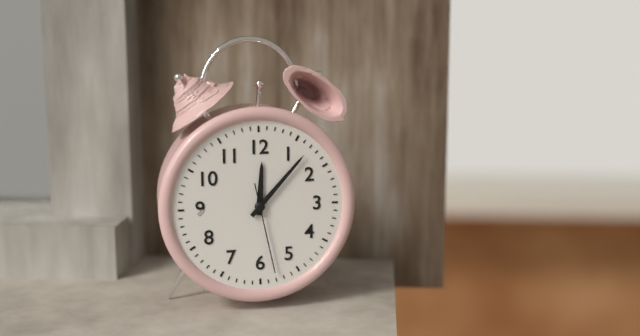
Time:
h=12 m=7 s=28
